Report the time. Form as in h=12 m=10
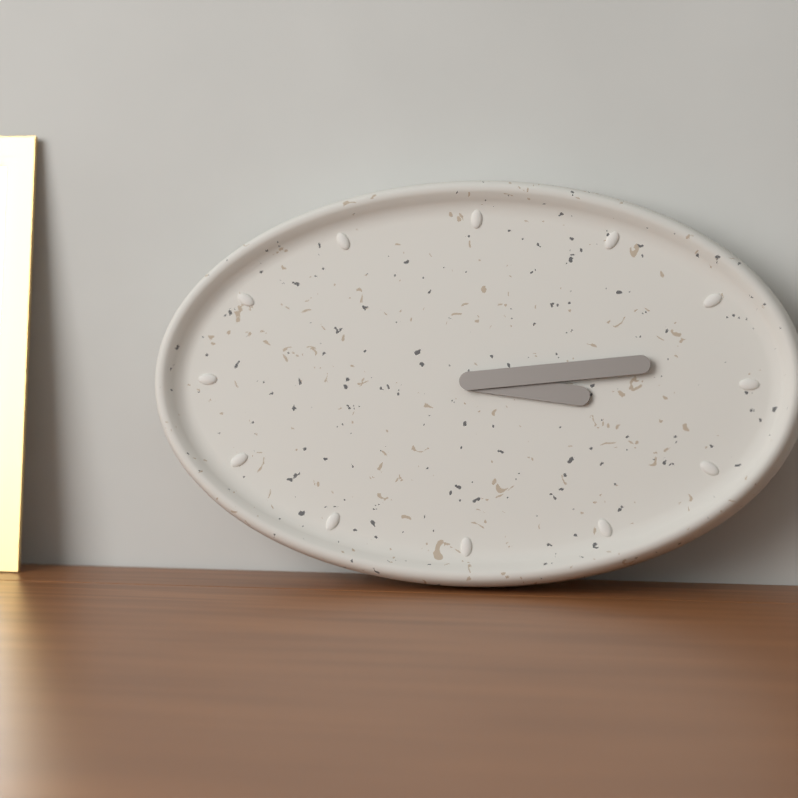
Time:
h=3 m=14
